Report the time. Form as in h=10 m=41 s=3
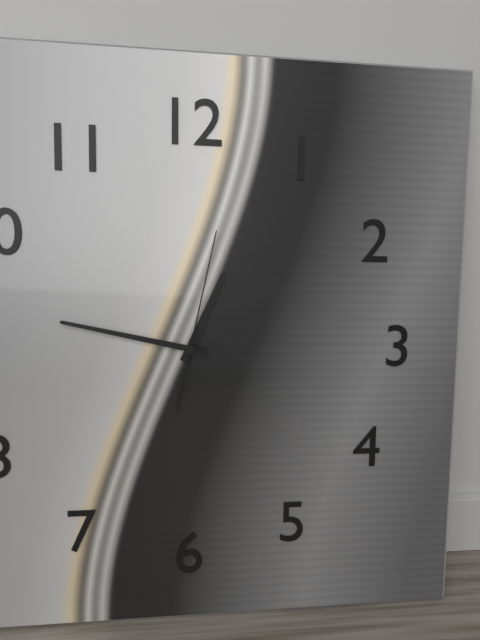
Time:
h=12 m=47 s=2
